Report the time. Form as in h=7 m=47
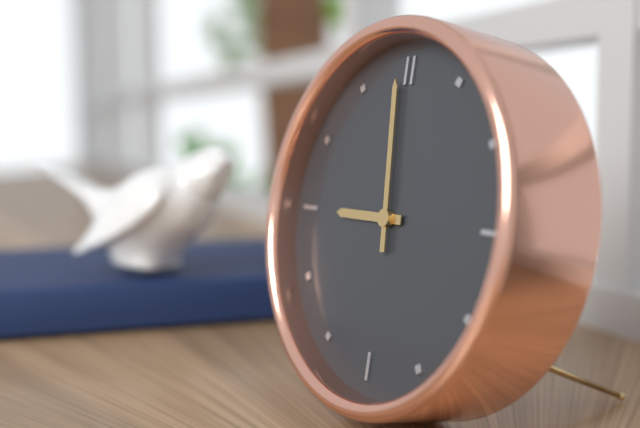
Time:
h=8 m=59
